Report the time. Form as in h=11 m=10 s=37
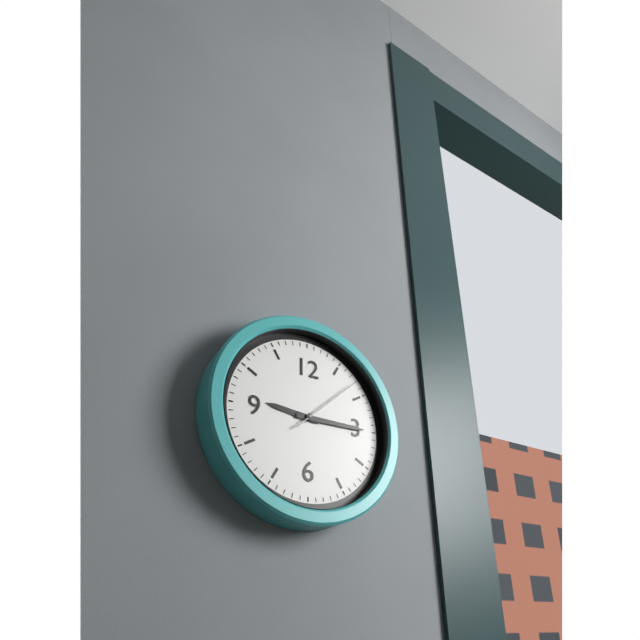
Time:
h=9 m=15 s=8
